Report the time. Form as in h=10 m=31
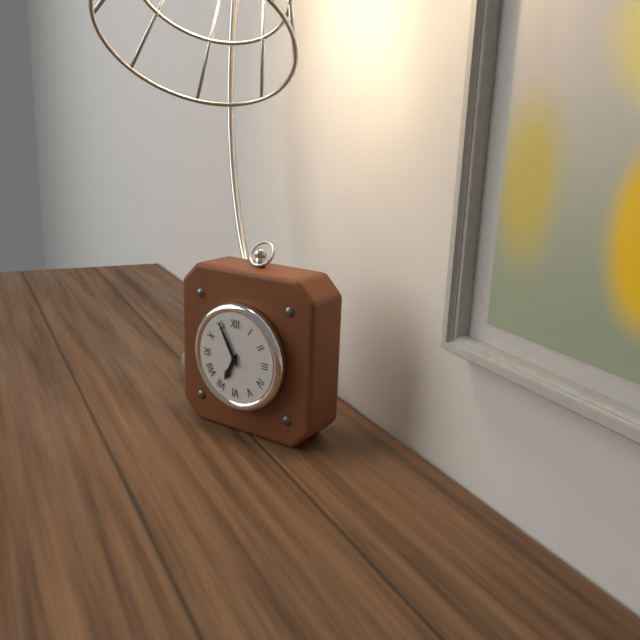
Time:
h=6 m=55
